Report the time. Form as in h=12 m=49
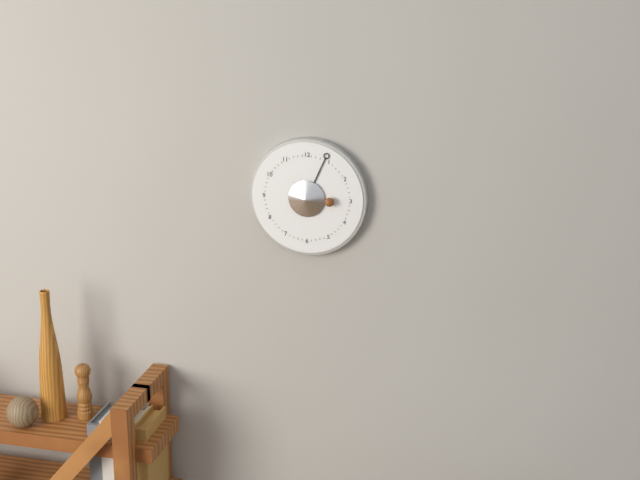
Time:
h=3 m=4
